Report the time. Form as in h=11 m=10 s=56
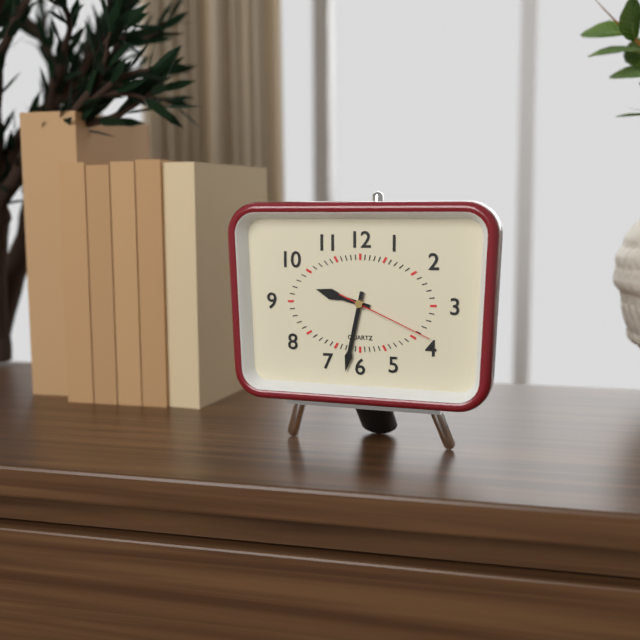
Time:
h=9 m=32 s=19
